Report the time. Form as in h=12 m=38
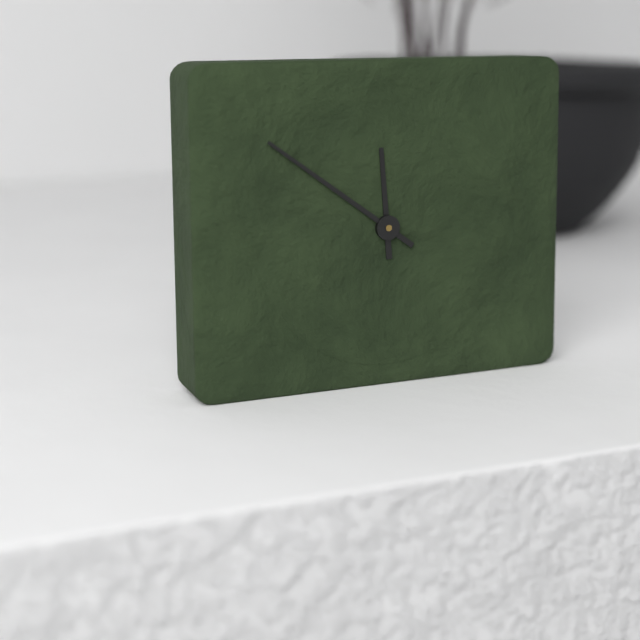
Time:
h=11 m=51
